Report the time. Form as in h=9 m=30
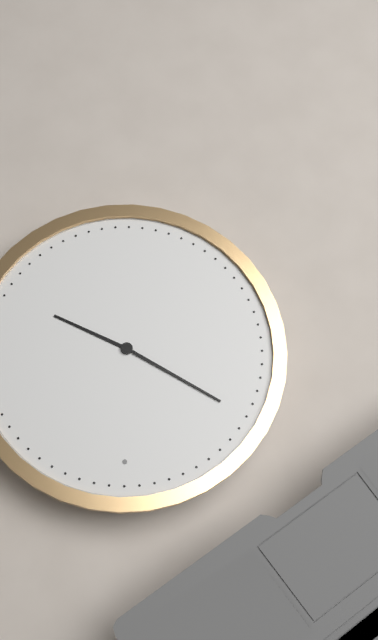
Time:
h=3 m=50
